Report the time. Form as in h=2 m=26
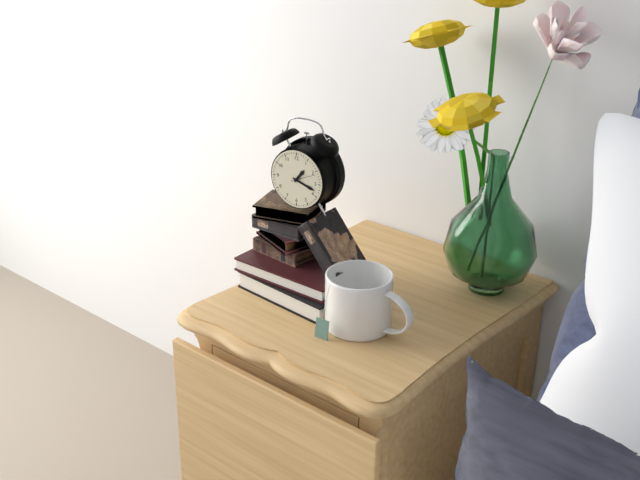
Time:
h=1 m=18
